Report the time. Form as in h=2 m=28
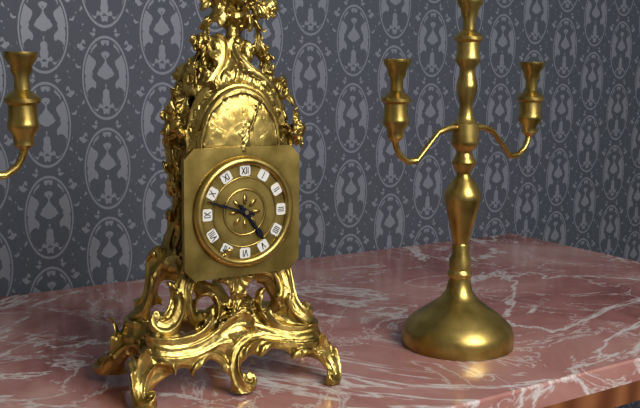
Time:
h=4 m=48
